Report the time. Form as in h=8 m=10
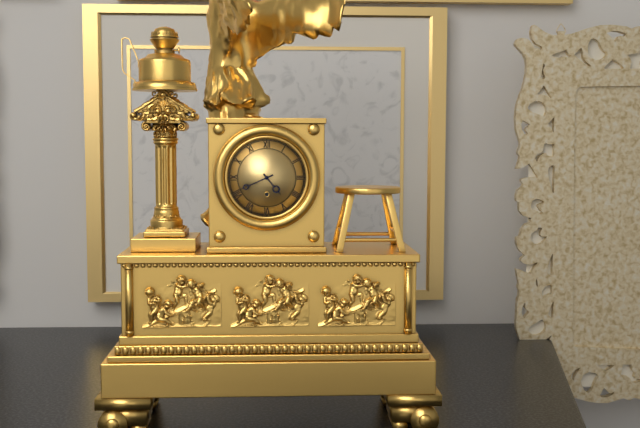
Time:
h=4 m=41
